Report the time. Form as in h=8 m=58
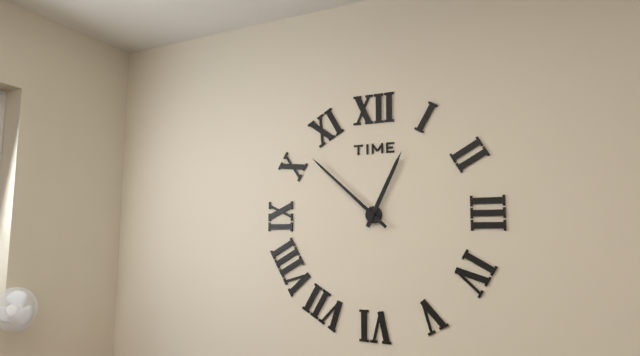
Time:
h=12 m=52
